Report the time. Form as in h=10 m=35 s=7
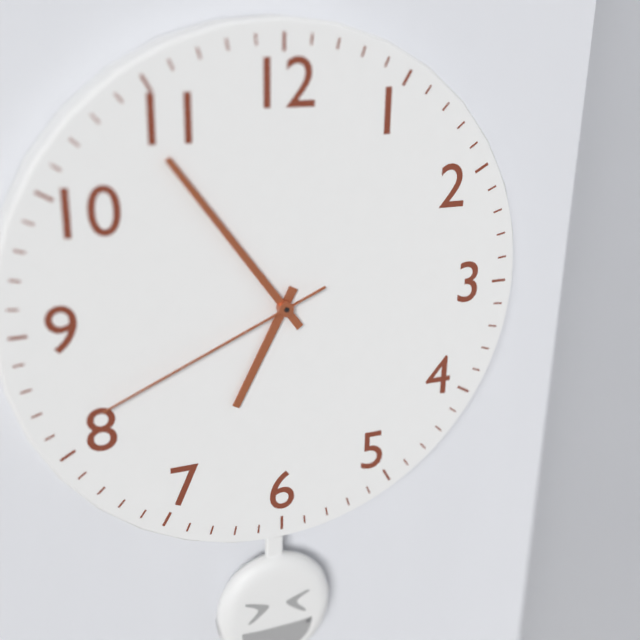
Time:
h=6 m=54 s=41
